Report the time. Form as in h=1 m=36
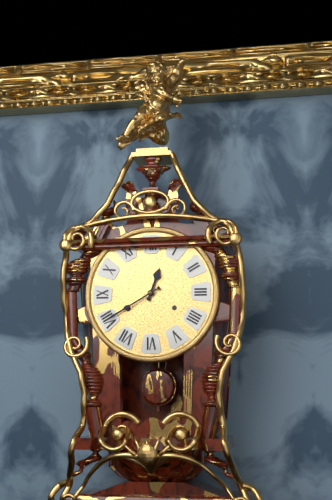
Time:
h=12 m=40
